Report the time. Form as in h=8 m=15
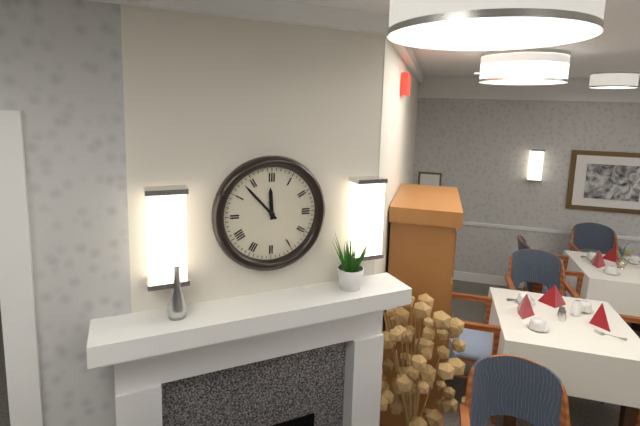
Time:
h=11 m=53
